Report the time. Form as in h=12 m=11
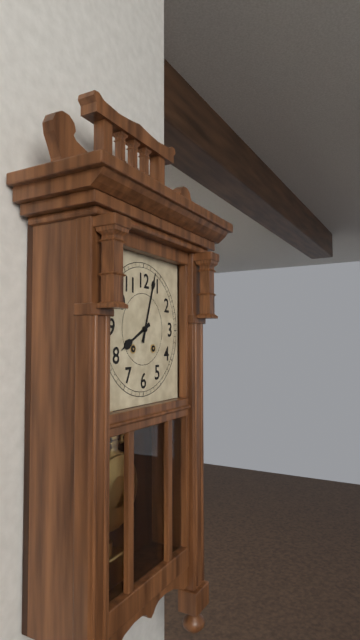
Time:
h=8 m=3
